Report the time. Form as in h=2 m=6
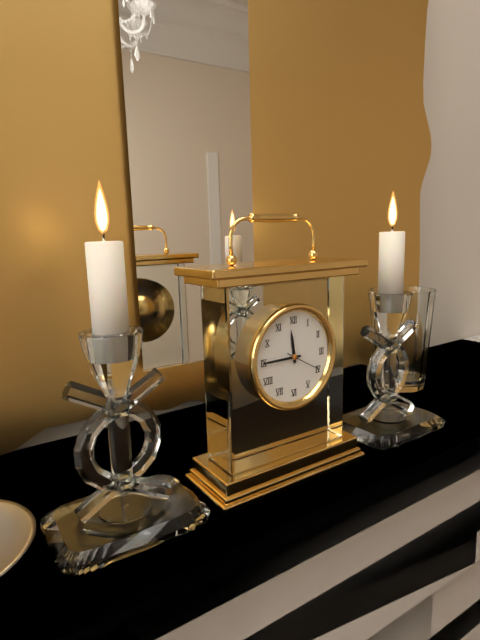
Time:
h=11 m=45
